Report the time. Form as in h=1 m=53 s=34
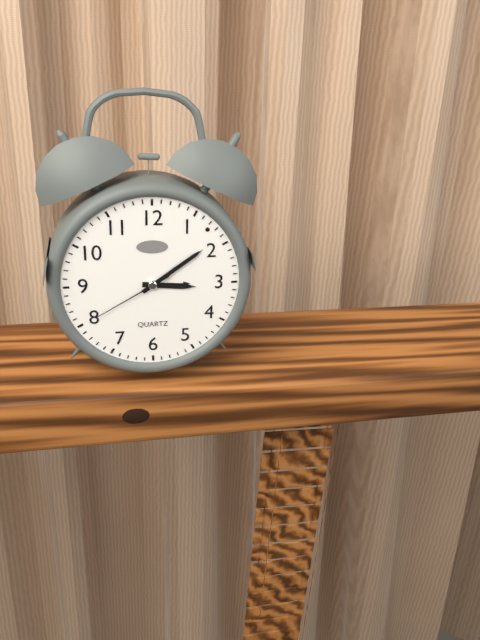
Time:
h=3 m=9 s=40
